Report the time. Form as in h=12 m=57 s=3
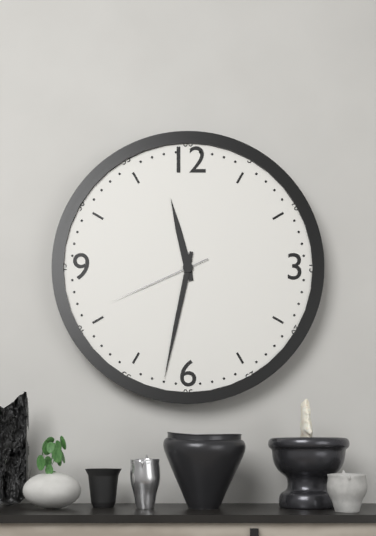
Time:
h=11 m=32 s=41
